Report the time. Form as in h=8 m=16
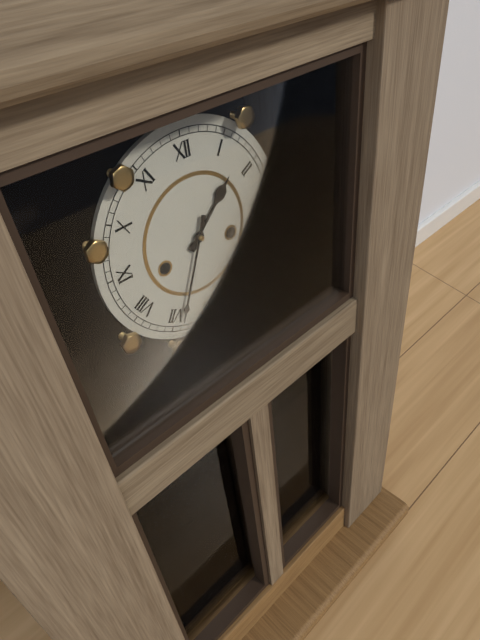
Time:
h=1 m=34
